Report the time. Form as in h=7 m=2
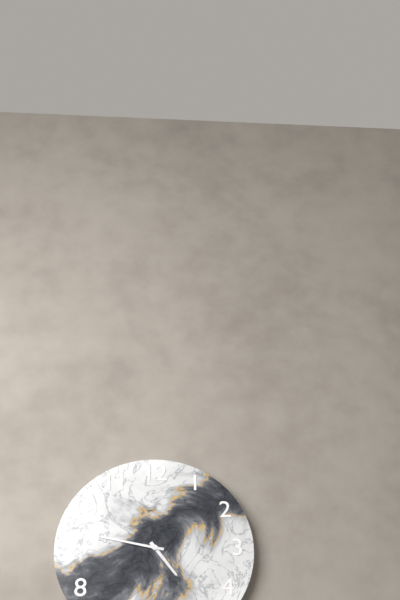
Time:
h=4 m=47
